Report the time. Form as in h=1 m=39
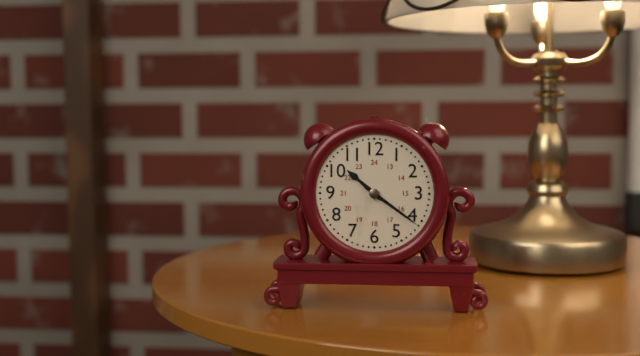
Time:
h=10 m=21
